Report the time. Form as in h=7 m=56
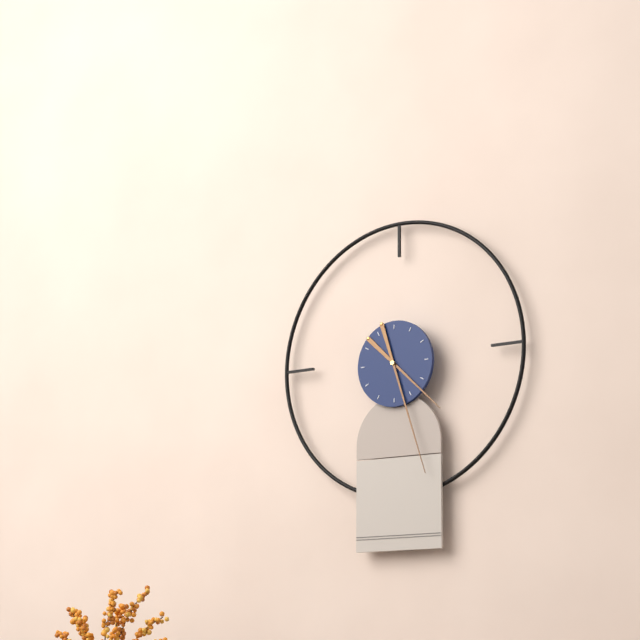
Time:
h=4 m=27
